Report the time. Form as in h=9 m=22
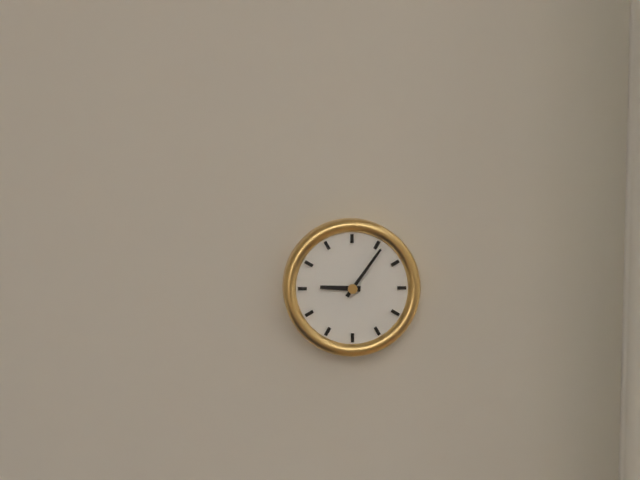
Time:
h=9 m=6
